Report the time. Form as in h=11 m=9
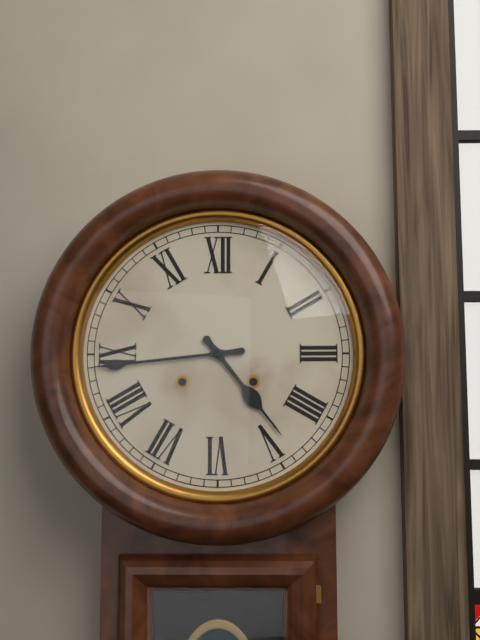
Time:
h=4 m=44
